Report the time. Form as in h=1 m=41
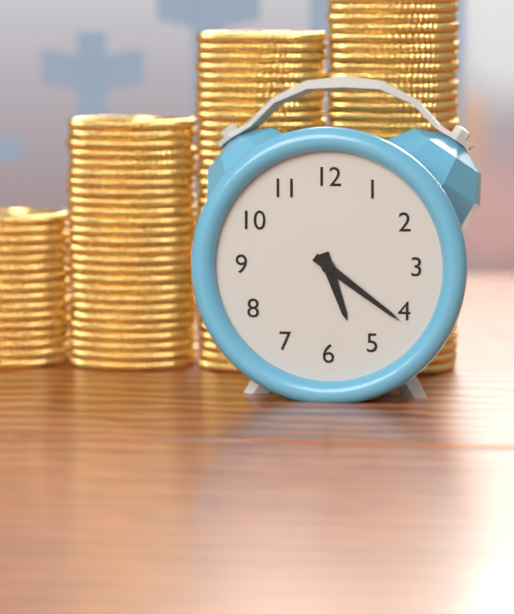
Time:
h=5 m=21
